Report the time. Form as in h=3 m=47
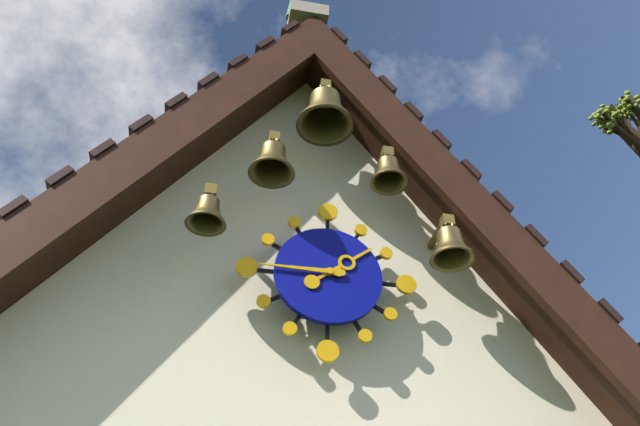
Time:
h=1 m=45
